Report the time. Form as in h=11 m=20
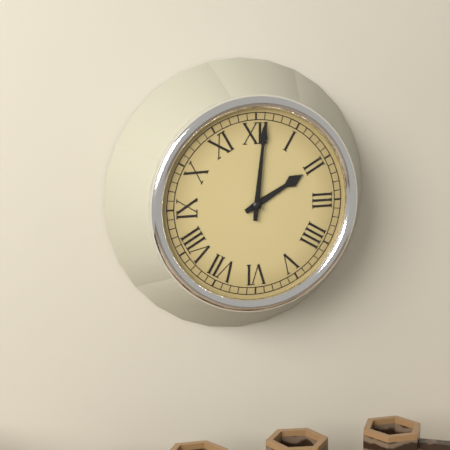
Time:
h=2 m=1
